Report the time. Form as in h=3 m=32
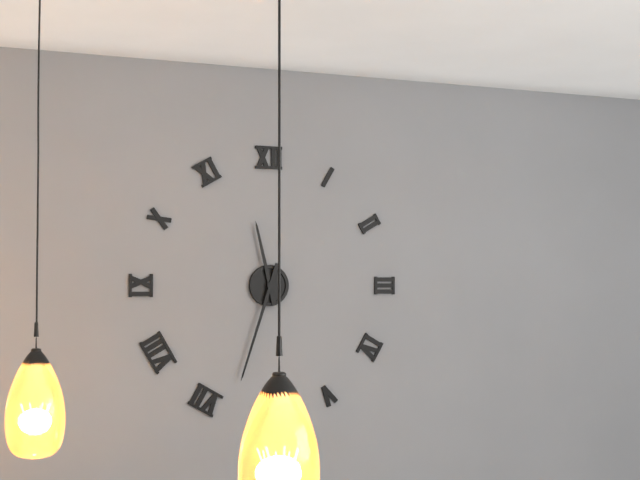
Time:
h=11 m=33
